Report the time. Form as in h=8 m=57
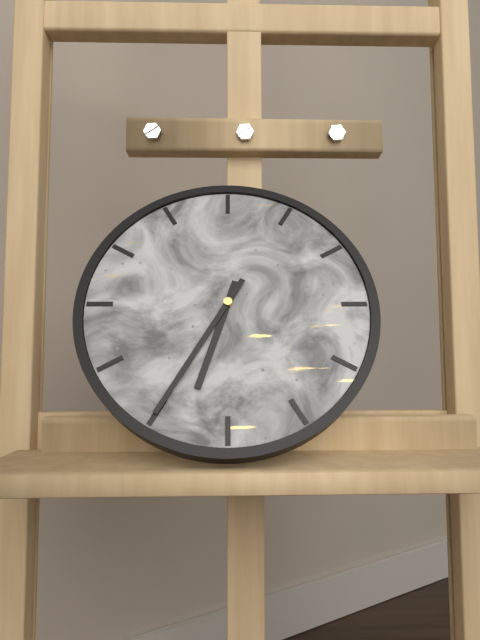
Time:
h=6 m=35
